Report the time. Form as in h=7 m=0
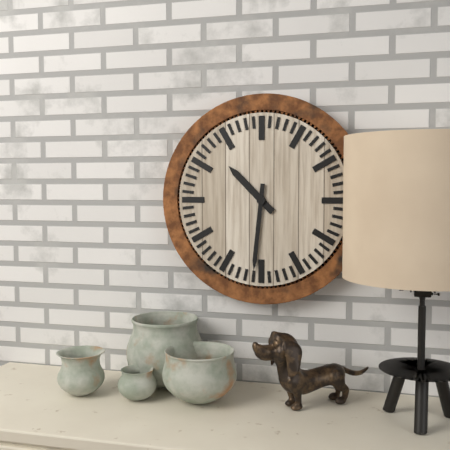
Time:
h=10 m=31
